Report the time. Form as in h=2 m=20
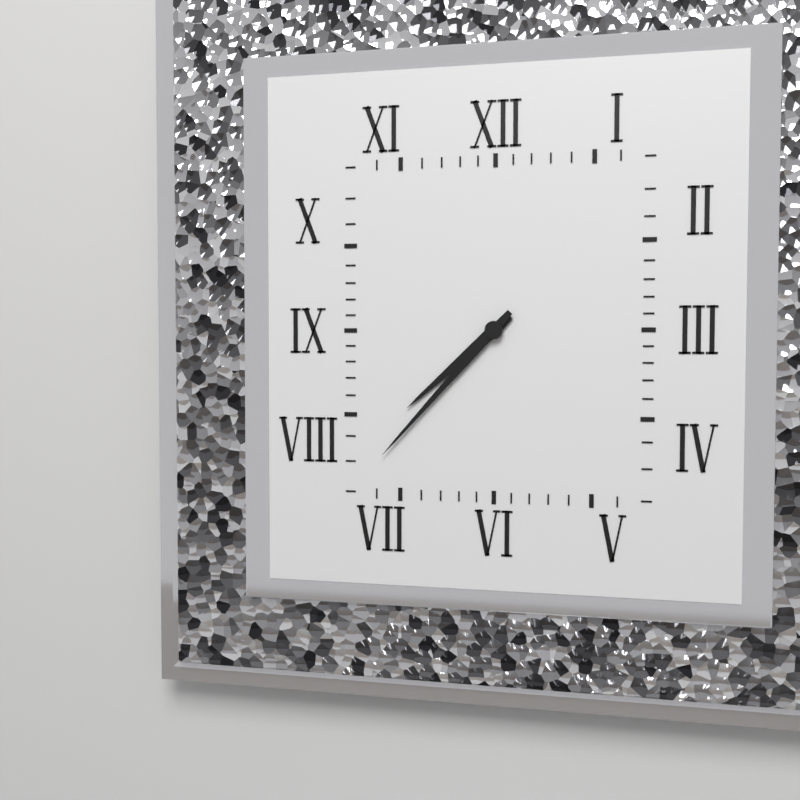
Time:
h=7 m=37
